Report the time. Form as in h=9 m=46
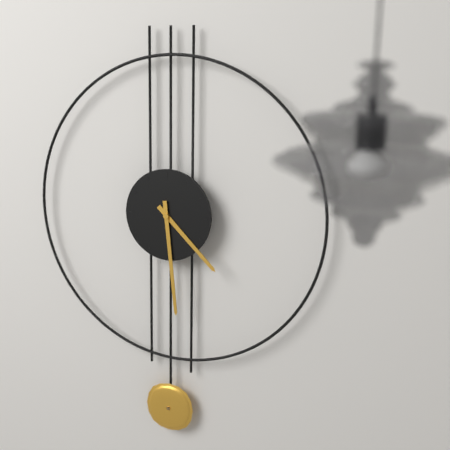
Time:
h=4 m=29
